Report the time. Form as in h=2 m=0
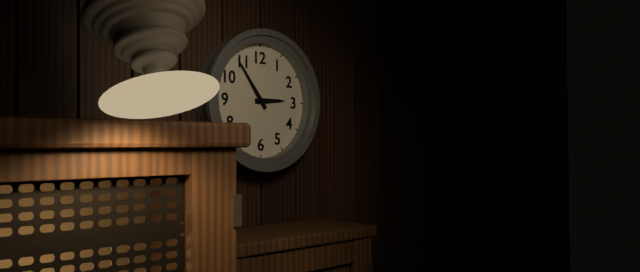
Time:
h=2 m=54
